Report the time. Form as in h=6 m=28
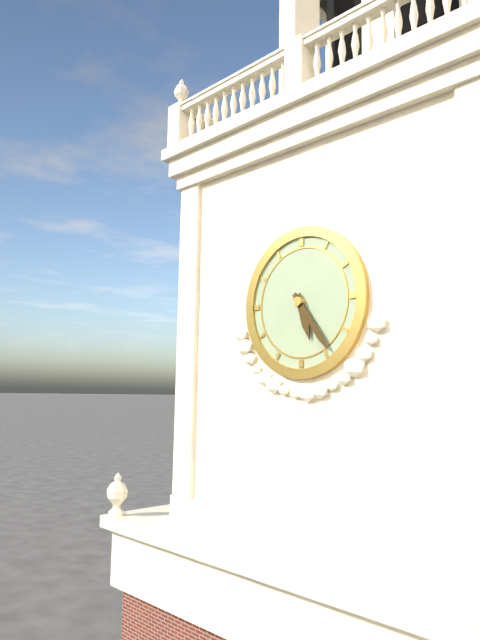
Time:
h=5 m=24
